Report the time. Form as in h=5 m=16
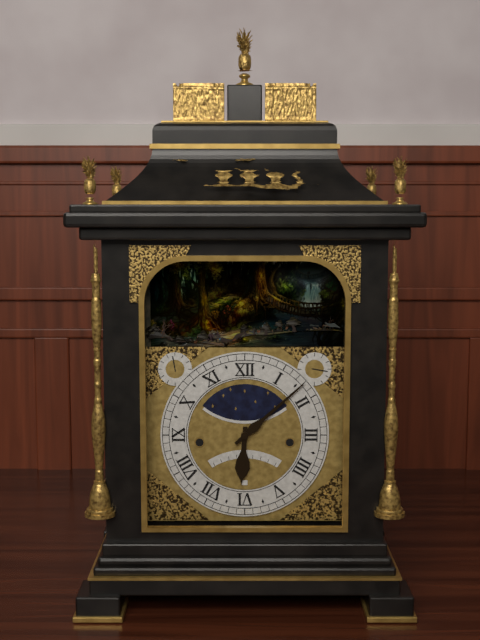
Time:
h=6 m=8
